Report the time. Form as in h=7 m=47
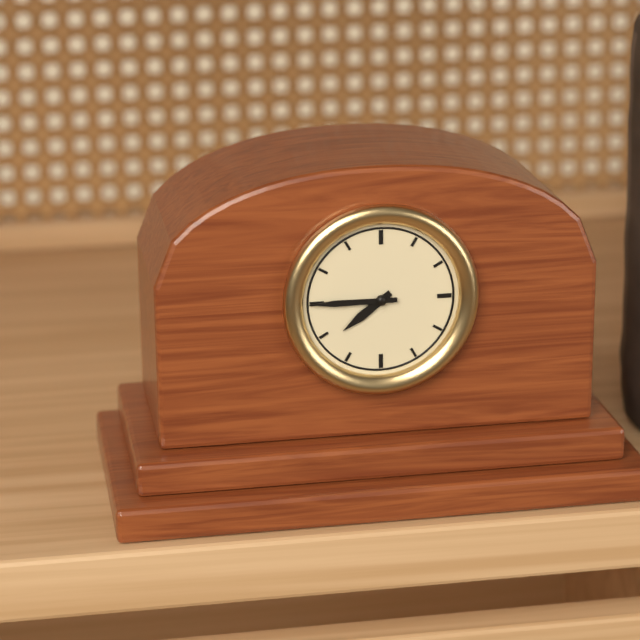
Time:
h=7 m=45
